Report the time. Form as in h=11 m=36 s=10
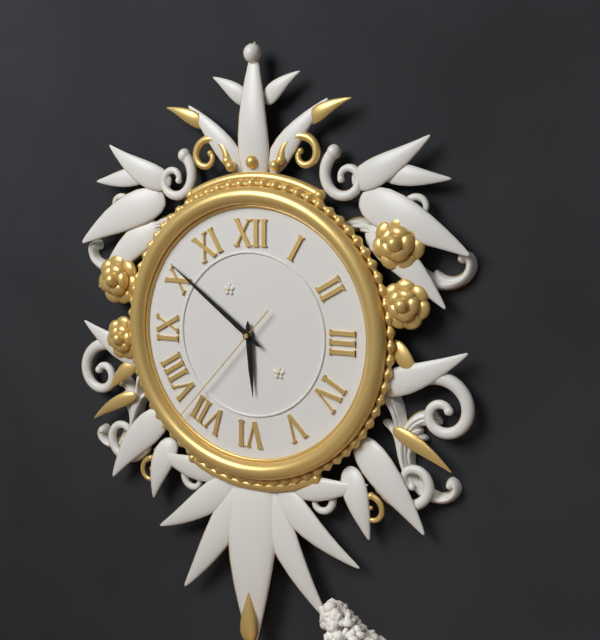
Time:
h=5 m=51 s=37
